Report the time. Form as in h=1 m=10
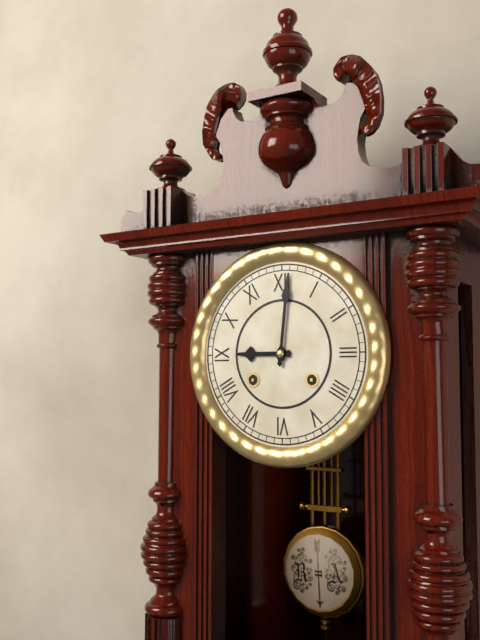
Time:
h=9 m=1
